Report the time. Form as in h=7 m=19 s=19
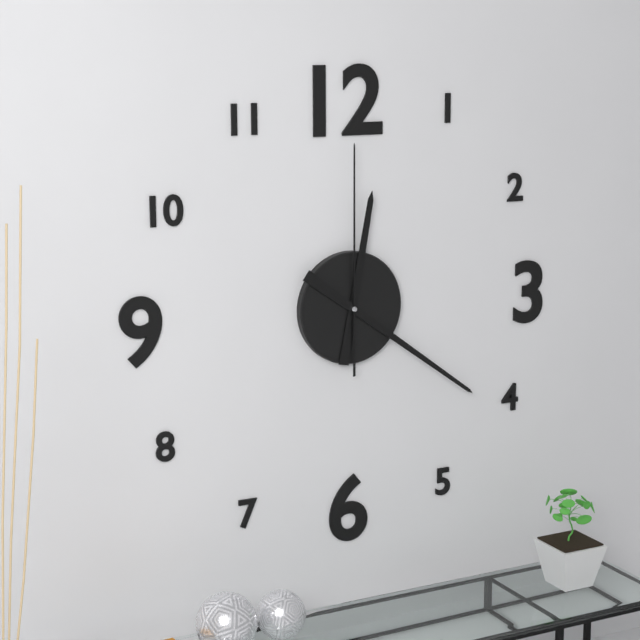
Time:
h=12 m=21 s=0
